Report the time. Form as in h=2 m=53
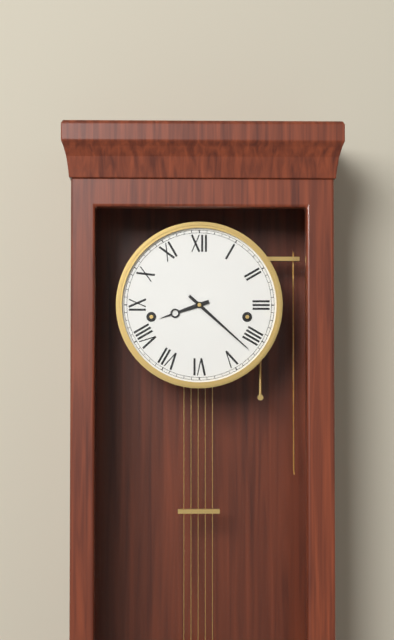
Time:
h=8 m=22
